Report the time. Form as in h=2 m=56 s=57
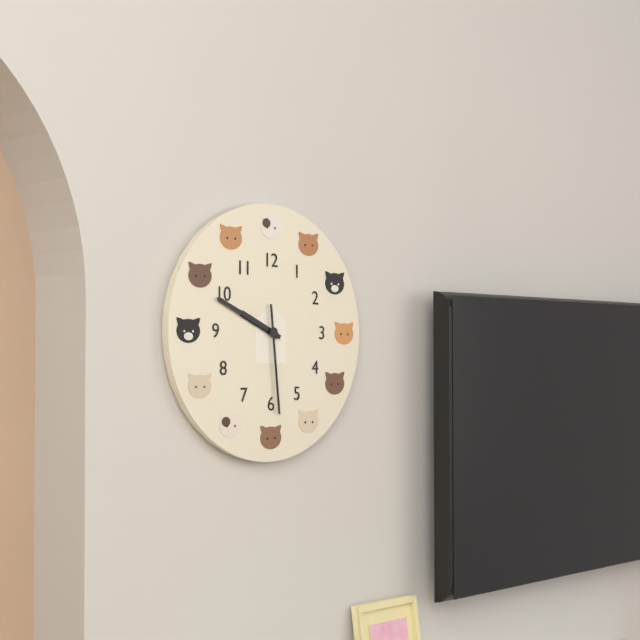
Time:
h=9 m=49 s=29
